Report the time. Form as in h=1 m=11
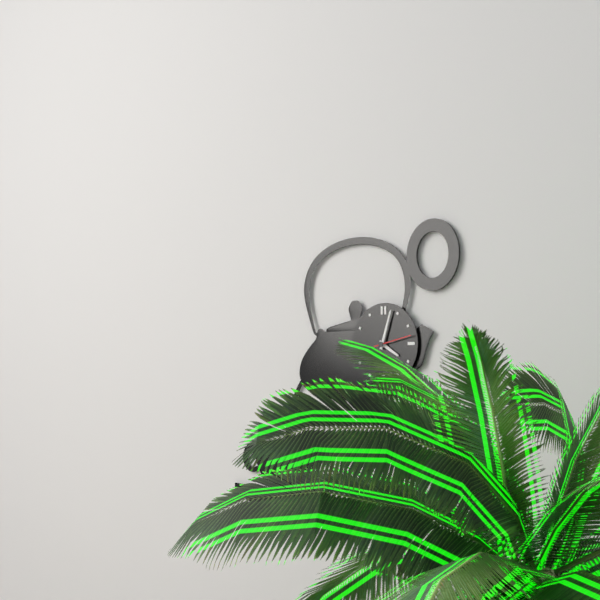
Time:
h=4 m=3
